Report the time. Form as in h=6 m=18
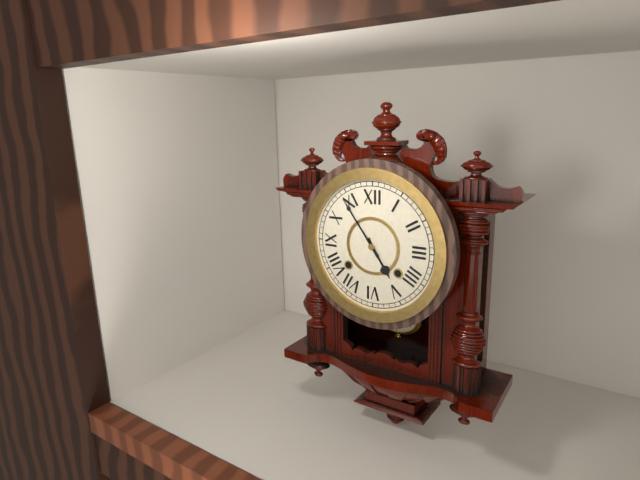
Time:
h=4 m=54
